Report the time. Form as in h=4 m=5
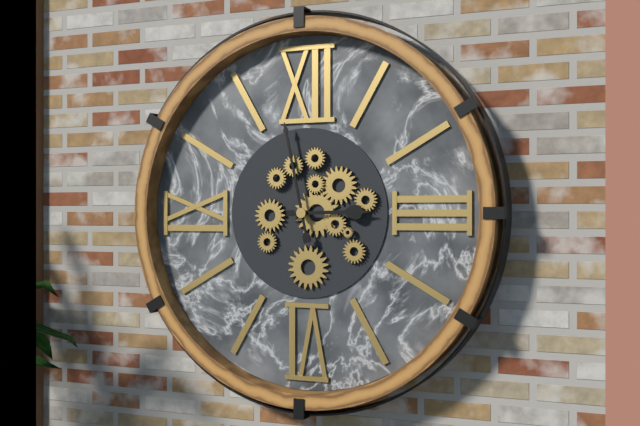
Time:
h=2 m=58
